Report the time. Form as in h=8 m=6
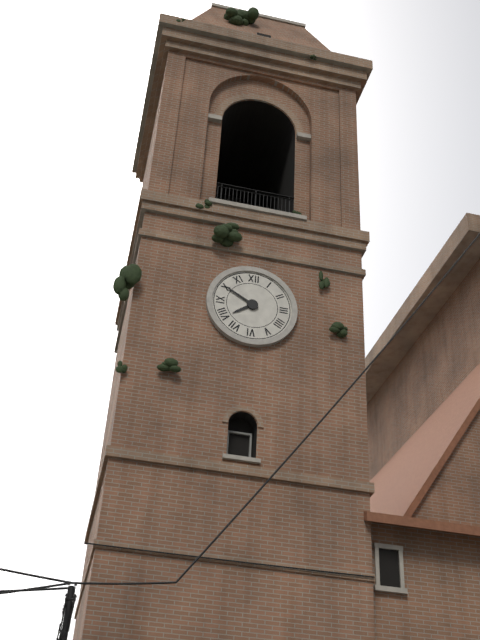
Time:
h=7 m=50
